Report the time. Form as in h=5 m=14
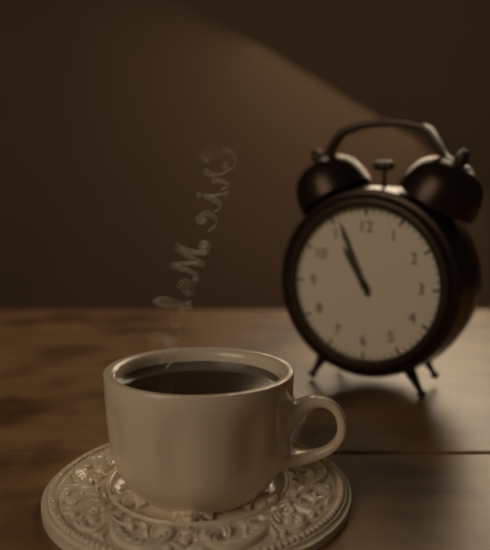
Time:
h=10 m=56
